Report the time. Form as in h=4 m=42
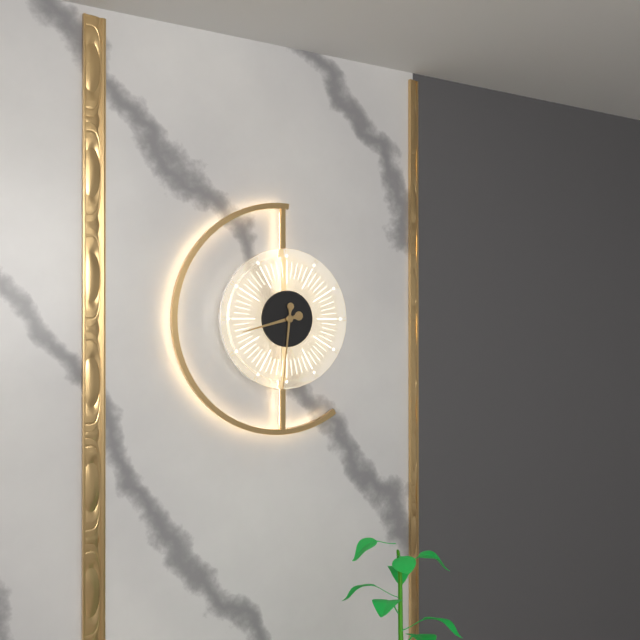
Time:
h=8 m=31
